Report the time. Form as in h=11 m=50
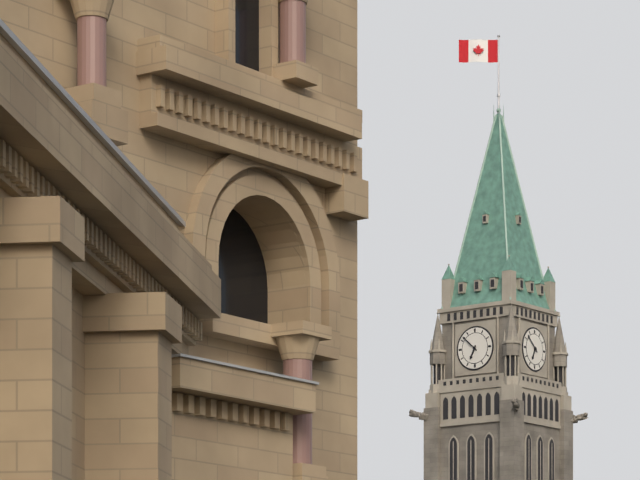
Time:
h=6 m=52
